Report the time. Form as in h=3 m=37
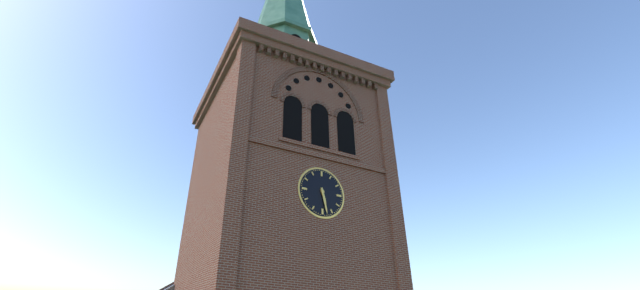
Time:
h=5 m=28
